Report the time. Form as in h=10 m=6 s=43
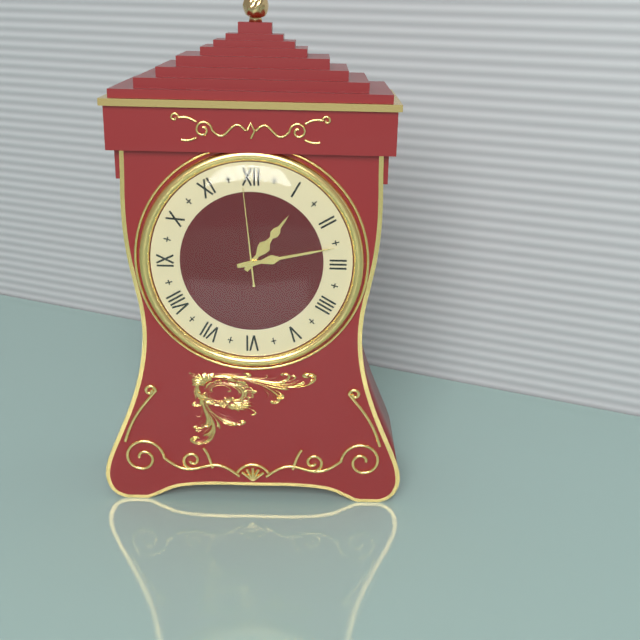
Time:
h=1 m=13 s=59
